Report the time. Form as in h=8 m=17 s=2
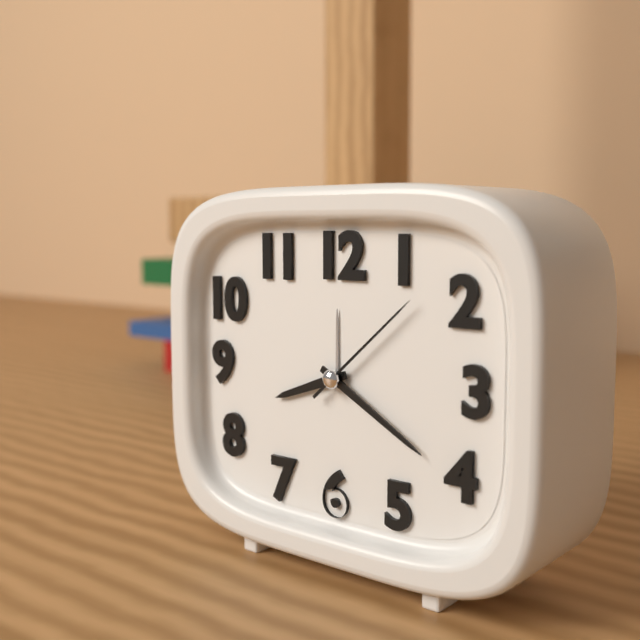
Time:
h=8 m=20 s=8
